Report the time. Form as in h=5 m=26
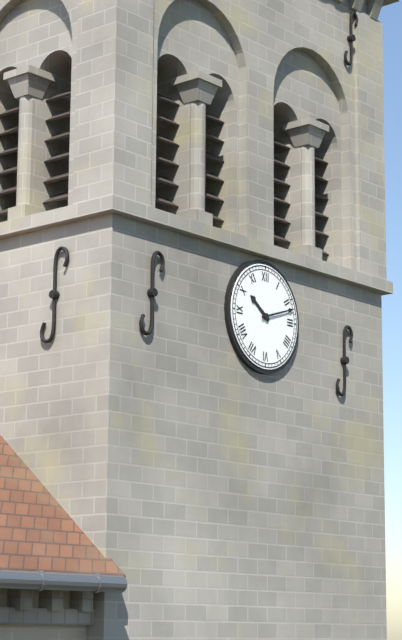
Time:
h=10 m=12
